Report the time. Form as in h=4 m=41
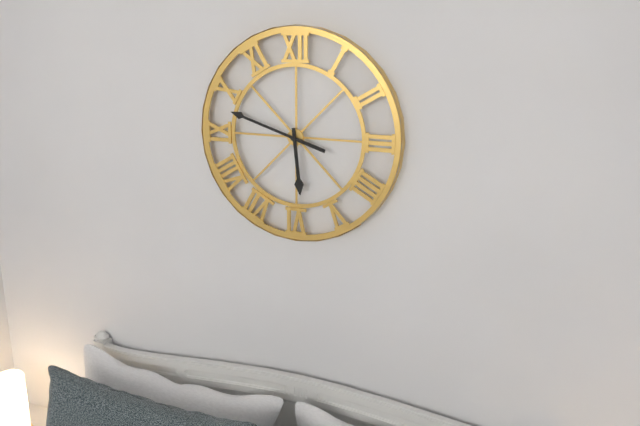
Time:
h=5 m=48
